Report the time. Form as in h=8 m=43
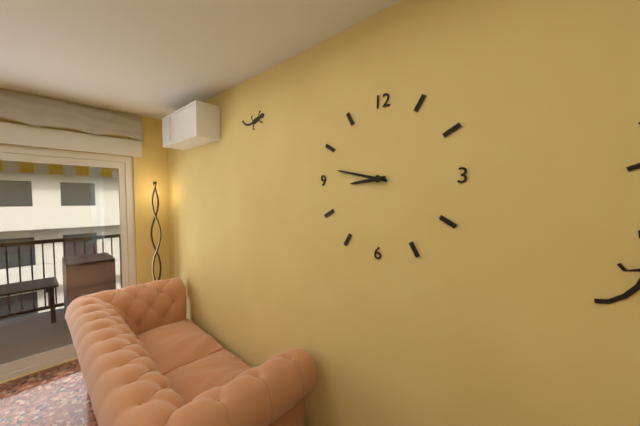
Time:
h=8 m=47
